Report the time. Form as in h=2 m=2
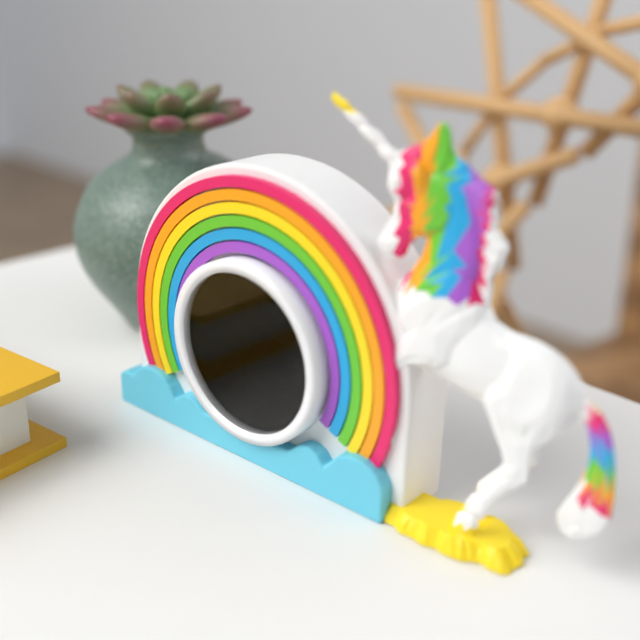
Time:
h=4 m=22
